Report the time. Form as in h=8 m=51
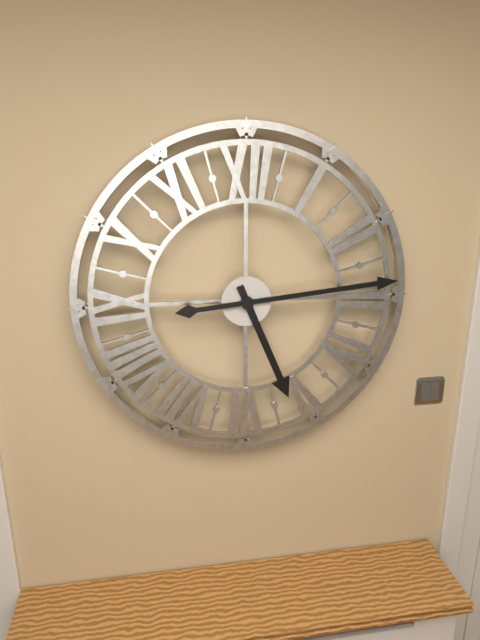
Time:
h=5 m=14
